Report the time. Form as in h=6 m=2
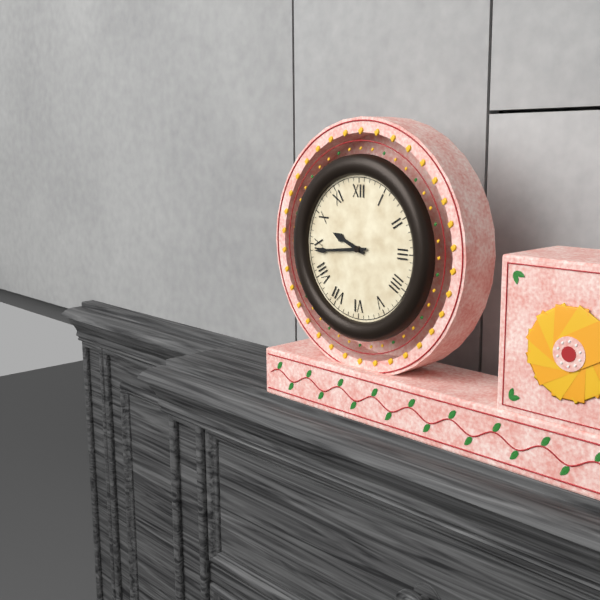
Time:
h=9 m=44
